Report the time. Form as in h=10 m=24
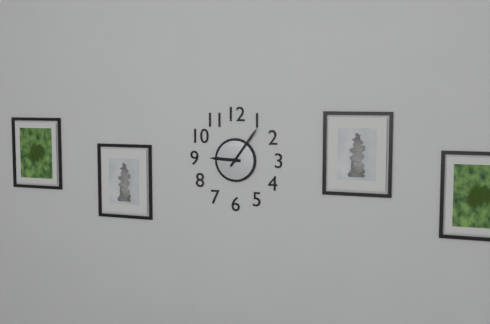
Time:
h=9 m=6
